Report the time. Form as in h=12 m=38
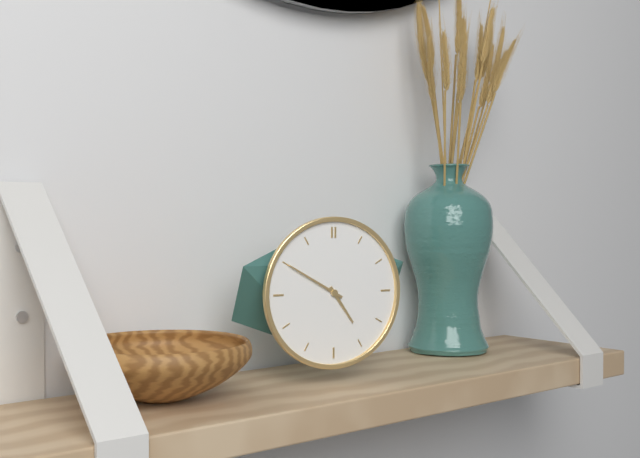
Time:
h=4 m=50
